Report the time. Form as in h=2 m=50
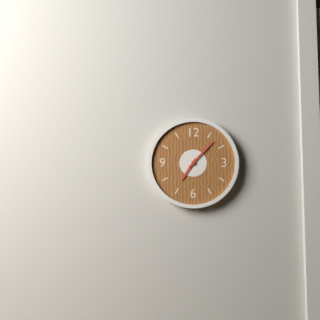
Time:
h=7 m=7
